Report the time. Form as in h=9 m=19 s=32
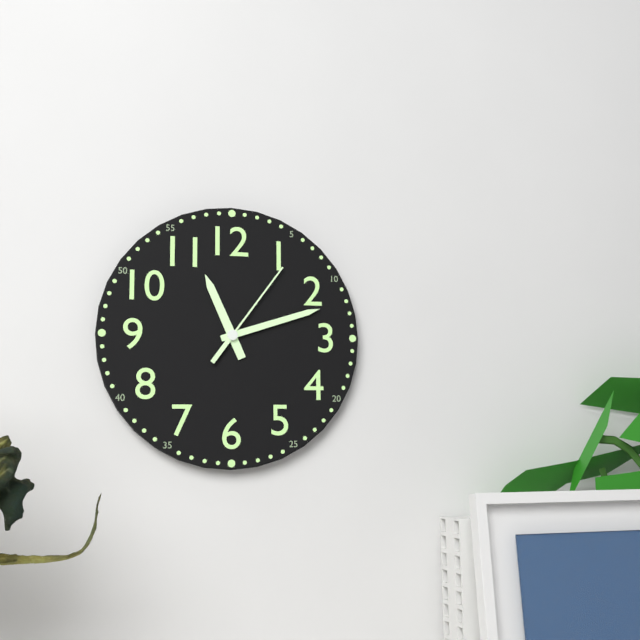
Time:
h=11 m=12 s=6
